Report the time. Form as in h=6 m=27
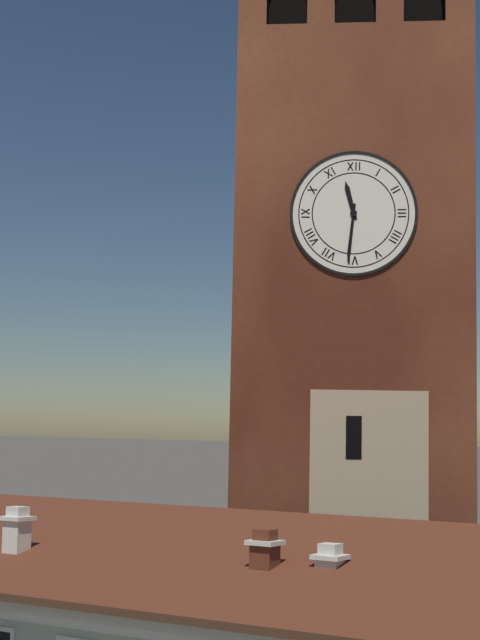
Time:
h=11 m=31
